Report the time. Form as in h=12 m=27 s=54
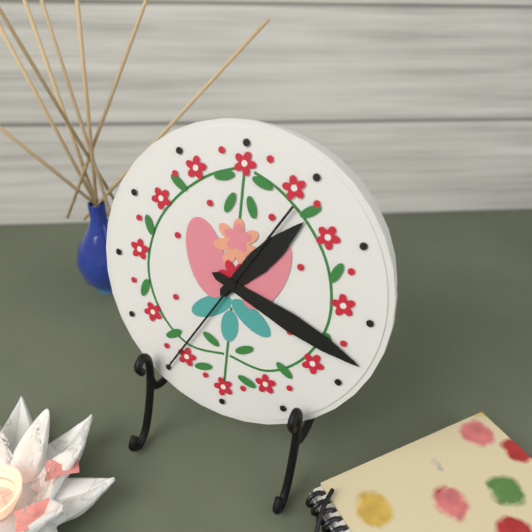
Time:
h=1 m=18 s=35
